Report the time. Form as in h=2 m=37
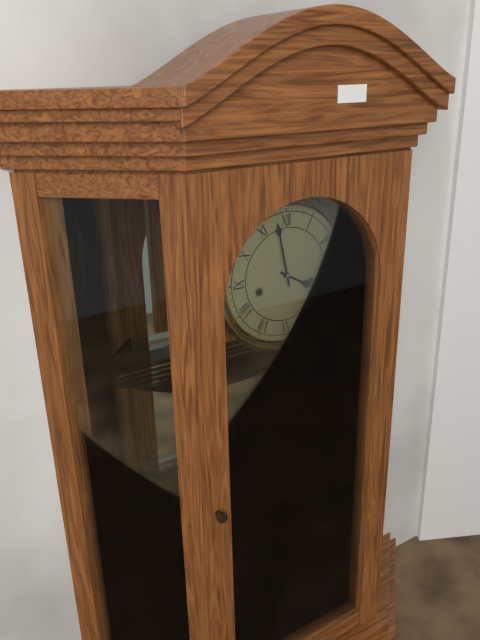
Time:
h=3 m=58
